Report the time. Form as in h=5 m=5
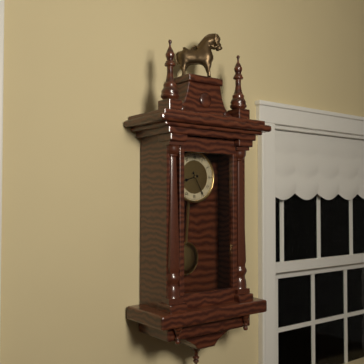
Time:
h=8 m=25
